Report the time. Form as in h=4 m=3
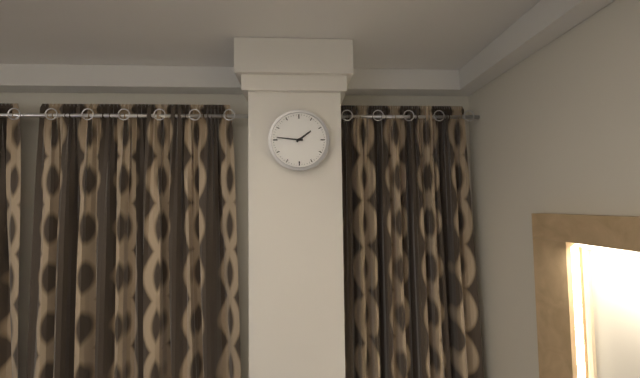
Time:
h=1 m=46
